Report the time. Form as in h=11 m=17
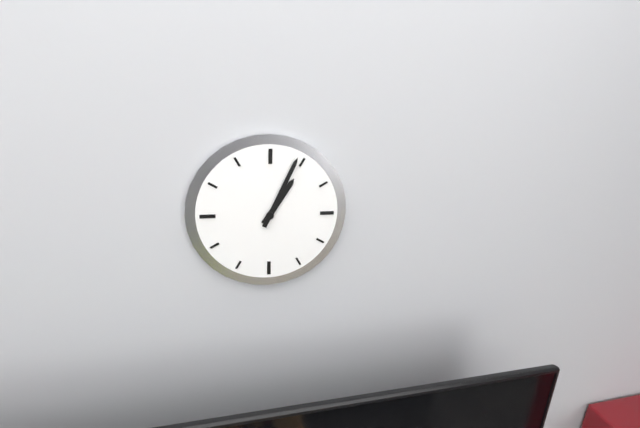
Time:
h=1 m=4
